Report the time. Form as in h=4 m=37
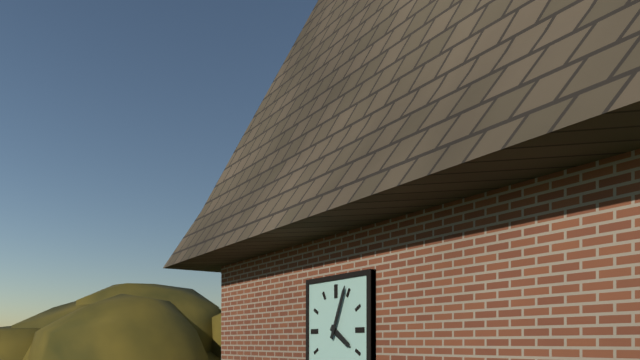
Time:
h=4 m=4
